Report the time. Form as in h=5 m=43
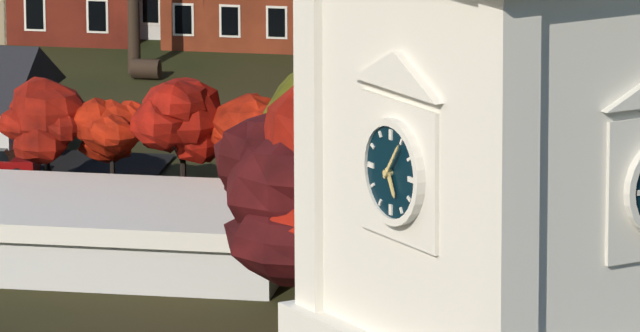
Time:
h=5 m=6
